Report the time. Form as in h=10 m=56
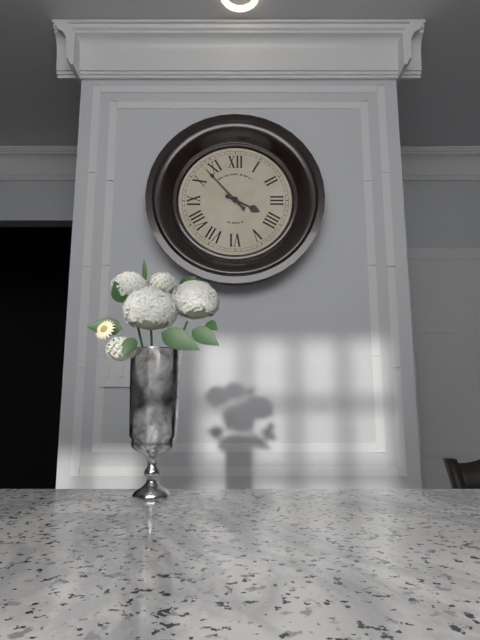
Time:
h=3 m=53
